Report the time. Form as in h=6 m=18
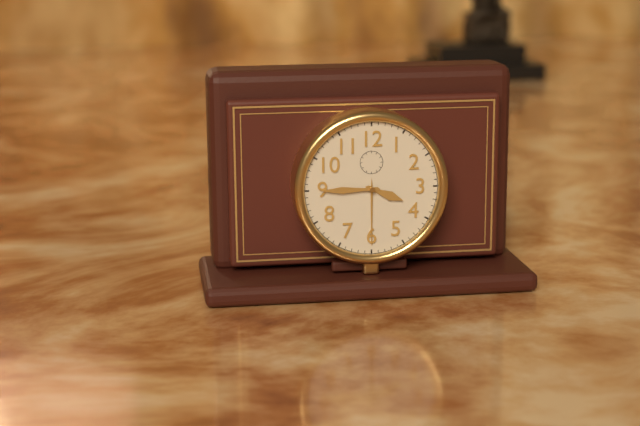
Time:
h=3 m=45
